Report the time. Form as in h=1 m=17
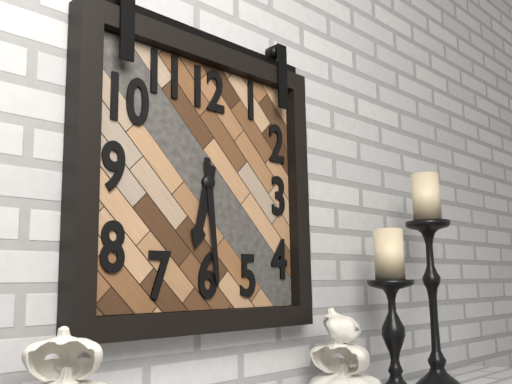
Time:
h=6 m=29
